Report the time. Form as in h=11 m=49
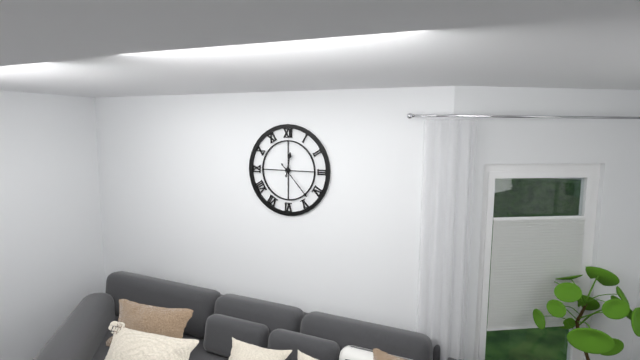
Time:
h=12 m=23
